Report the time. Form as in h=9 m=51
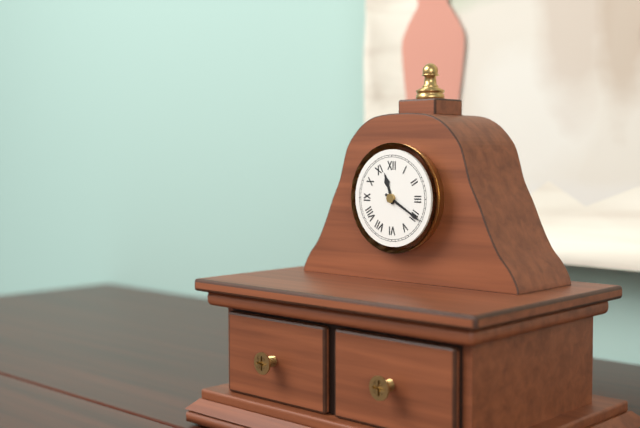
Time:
h=11 m=20
